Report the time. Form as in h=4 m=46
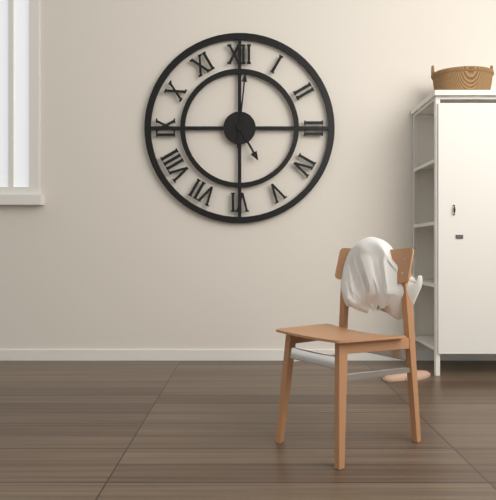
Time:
h=5 m=1
